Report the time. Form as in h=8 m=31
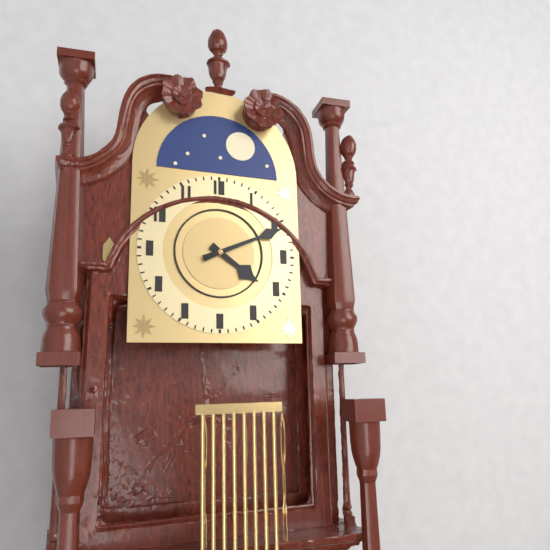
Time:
h=4 m=11
